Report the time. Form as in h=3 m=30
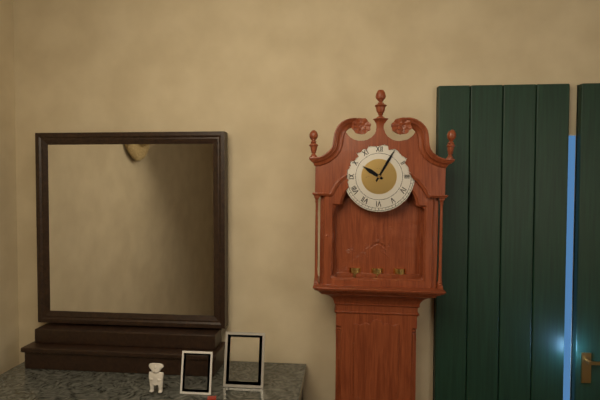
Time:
h=10 m=5
